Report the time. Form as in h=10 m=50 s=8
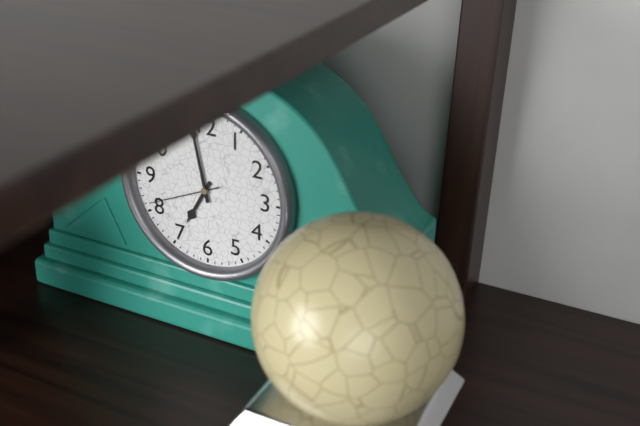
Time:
h=6 m=58 s=41
